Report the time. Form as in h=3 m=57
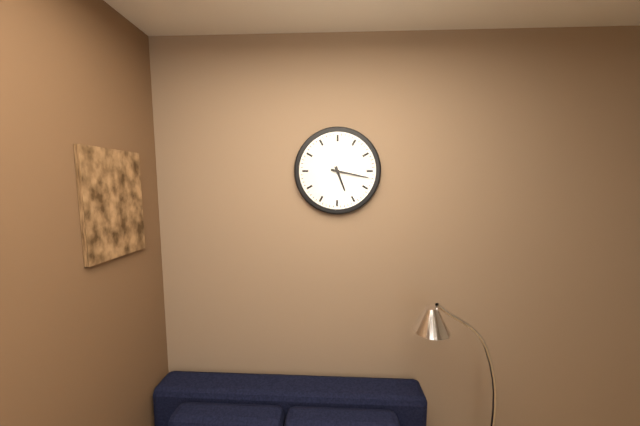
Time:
h=5 m=17
